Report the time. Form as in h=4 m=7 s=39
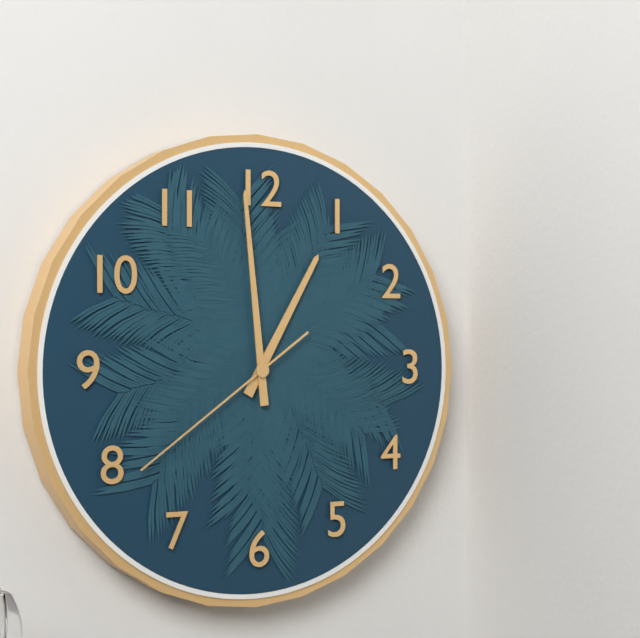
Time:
h=12 m=59 s=39
